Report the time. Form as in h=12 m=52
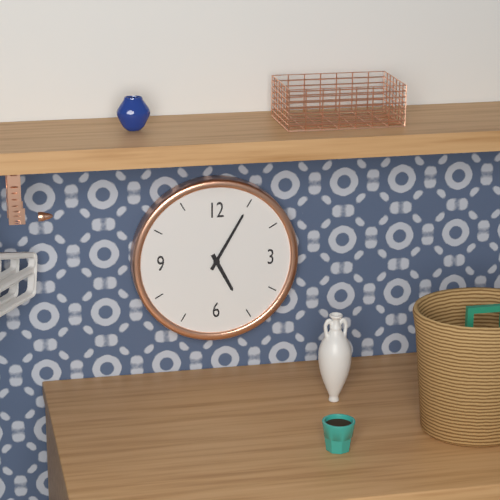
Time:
h=5 m=5
